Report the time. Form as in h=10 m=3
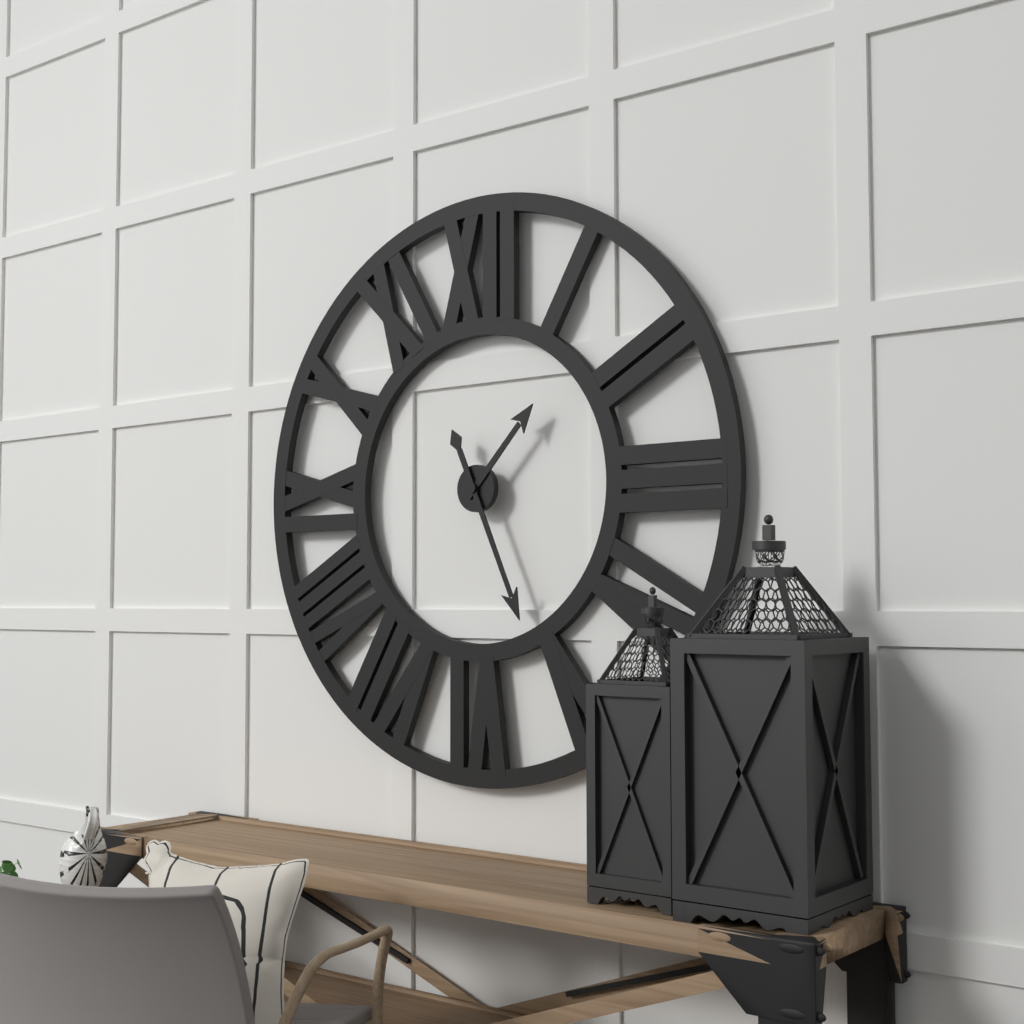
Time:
h=1 m=26
